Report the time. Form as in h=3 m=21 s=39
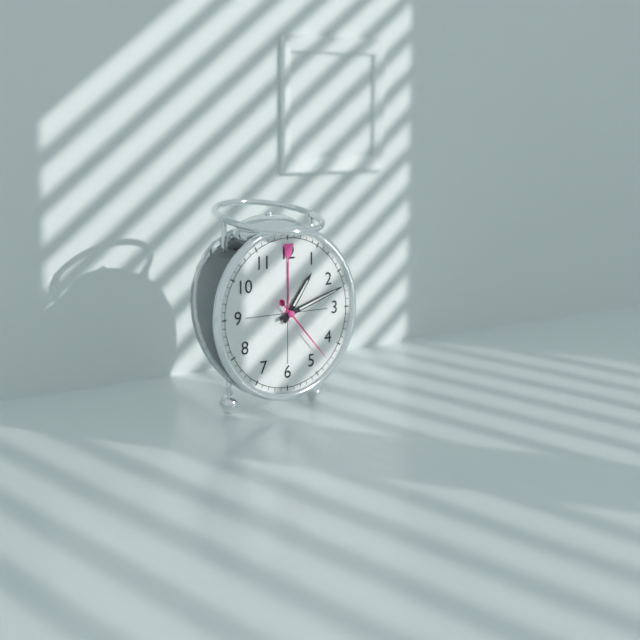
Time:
h=1 m=12 s=23
